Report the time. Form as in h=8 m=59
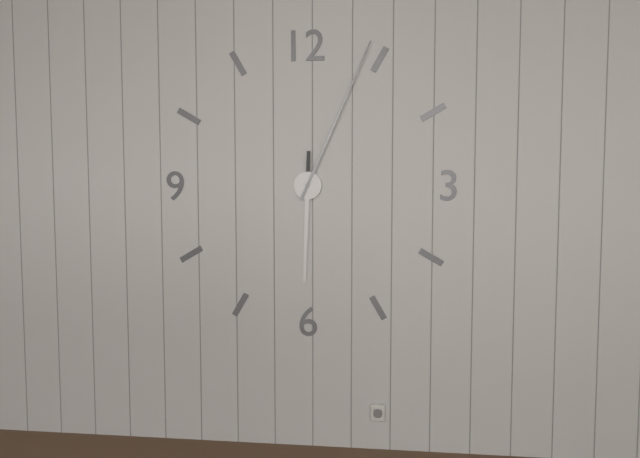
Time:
h=6 m=4
